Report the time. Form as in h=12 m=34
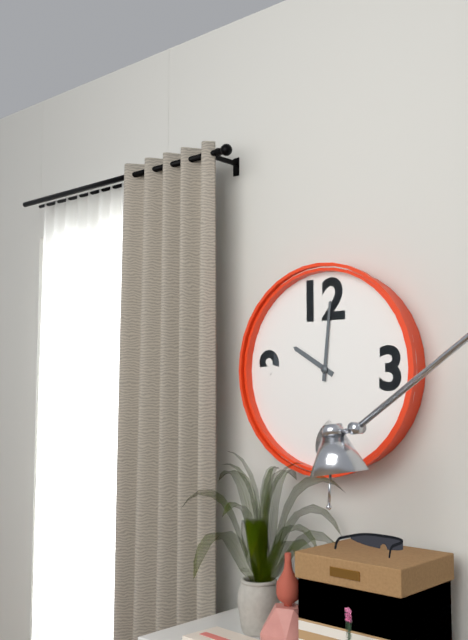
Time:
h=10 m=1
